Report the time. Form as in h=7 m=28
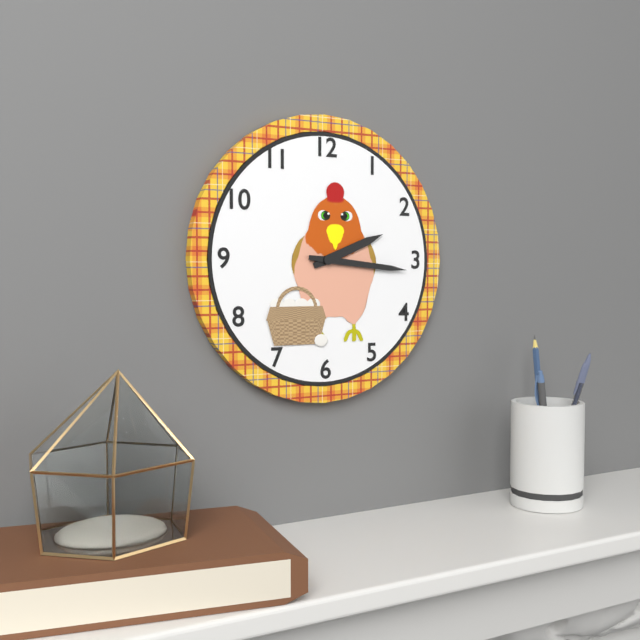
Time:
h=2 m=16
